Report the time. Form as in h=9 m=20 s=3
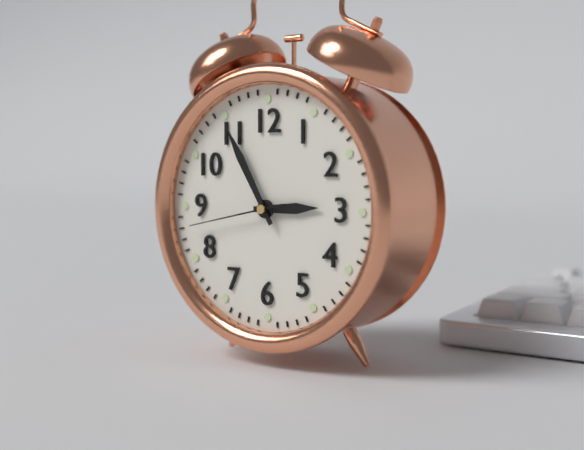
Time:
h=2 m=55 s=43
